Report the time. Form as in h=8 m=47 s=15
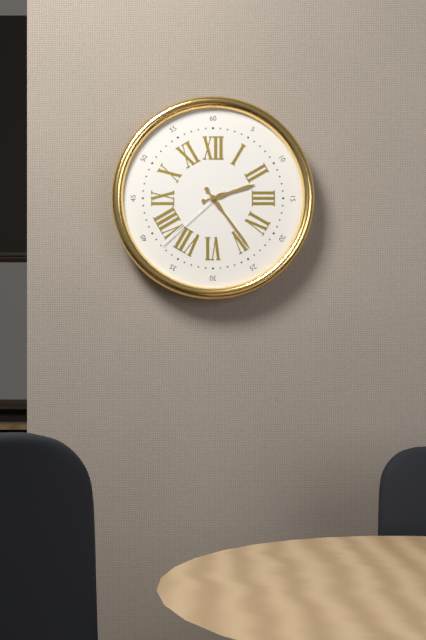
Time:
h=2 m=24 s=38
